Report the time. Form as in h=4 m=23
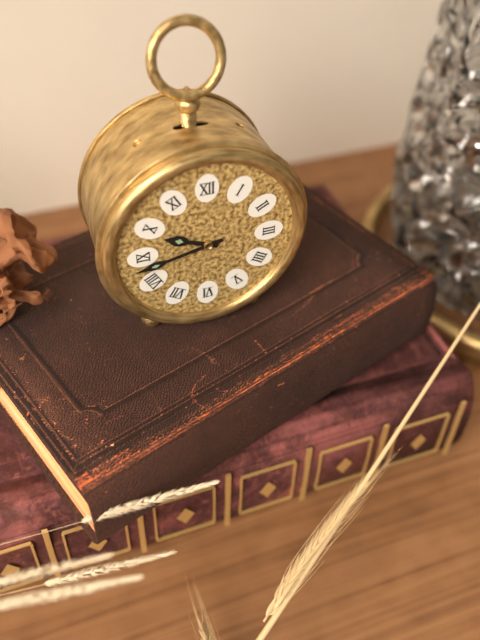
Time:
h=9 m=43
